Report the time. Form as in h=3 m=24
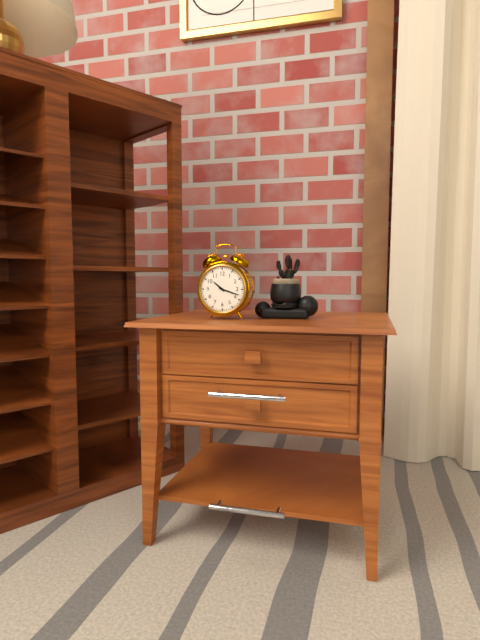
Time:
h=10 m=18
